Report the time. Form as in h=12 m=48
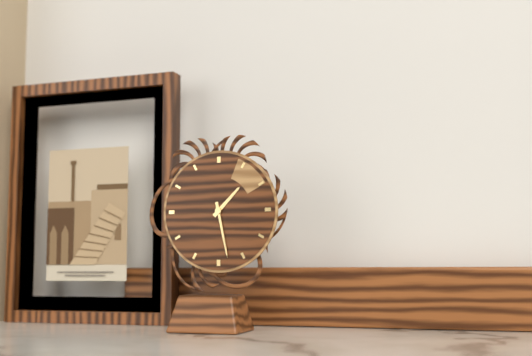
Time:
h=1 m=28
